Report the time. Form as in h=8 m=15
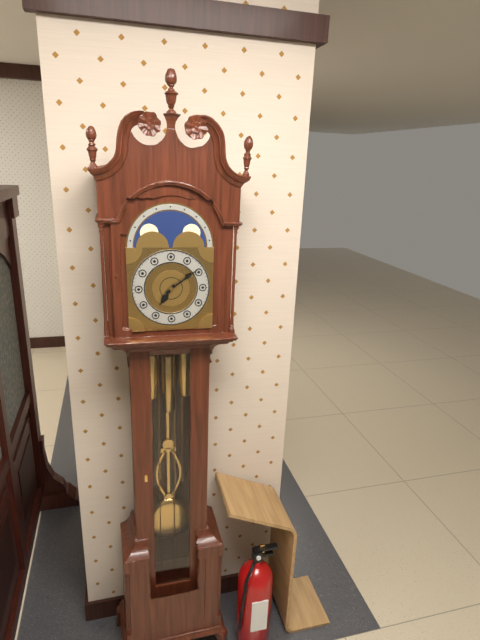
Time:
h=7 m=9
